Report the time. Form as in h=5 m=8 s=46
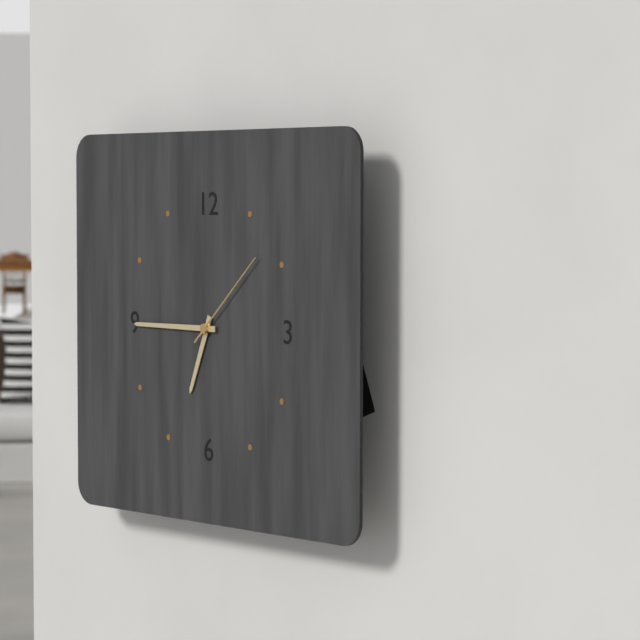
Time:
h=6 m=45 s=8
